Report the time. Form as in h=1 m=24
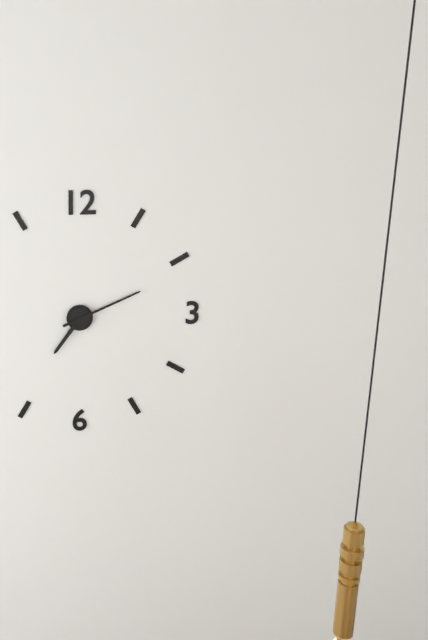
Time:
h=7 m=11
